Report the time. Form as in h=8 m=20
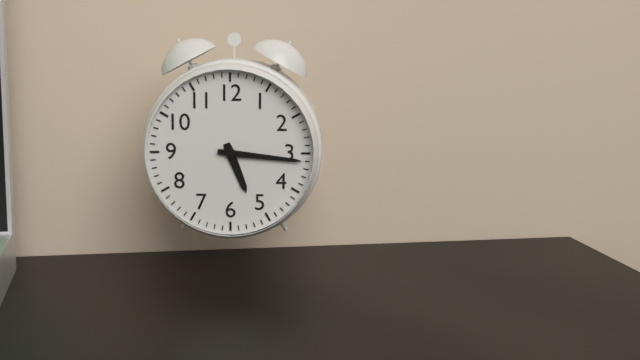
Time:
h=5 m=16
